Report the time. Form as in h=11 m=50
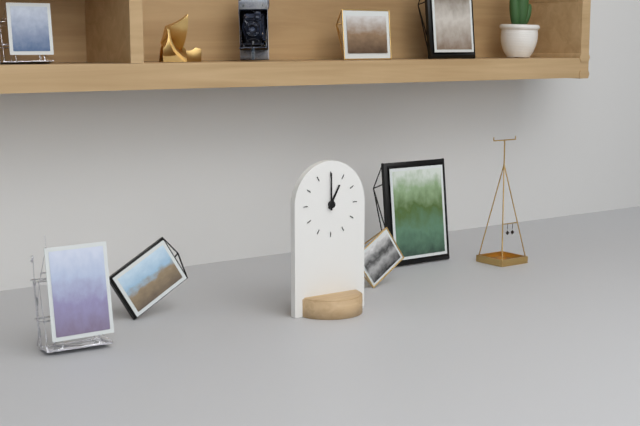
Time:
h=1 m=0
